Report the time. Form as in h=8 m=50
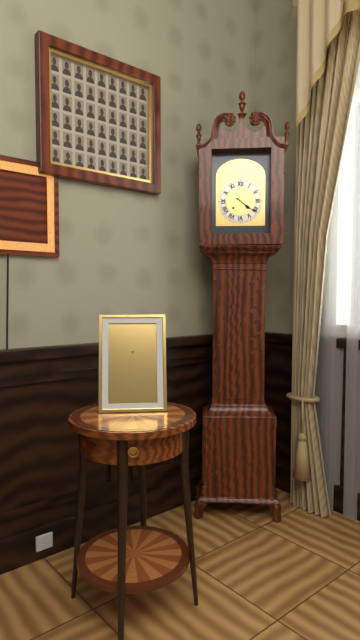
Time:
h=4 m=21
